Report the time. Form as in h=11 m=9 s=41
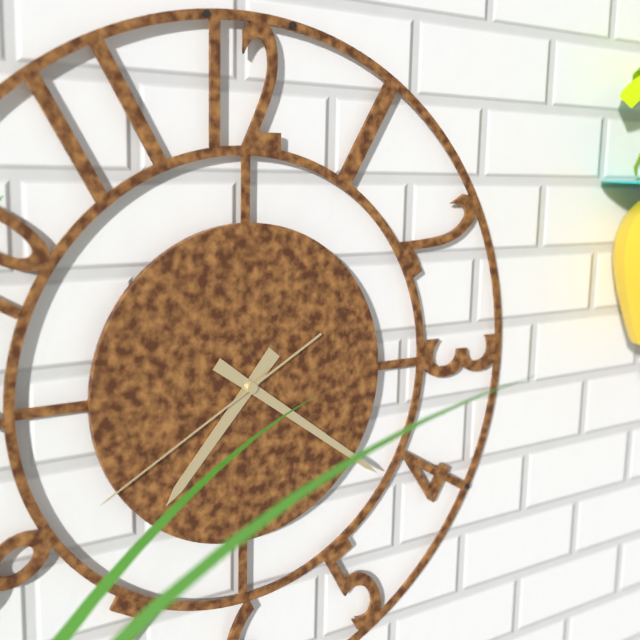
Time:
h=7 m=21 s=40
